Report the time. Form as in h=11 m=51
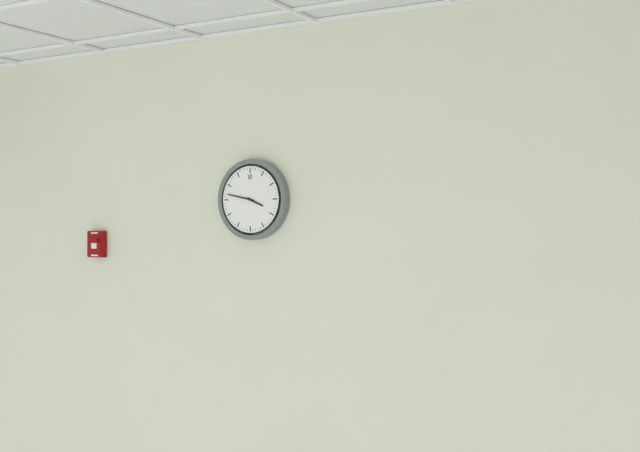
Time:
h=3 m=47
